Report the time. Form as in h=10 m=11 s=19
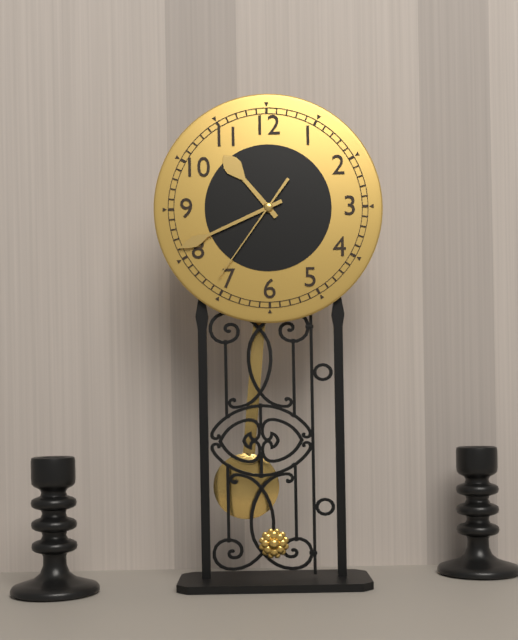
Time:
h=10 m=41 s=36
